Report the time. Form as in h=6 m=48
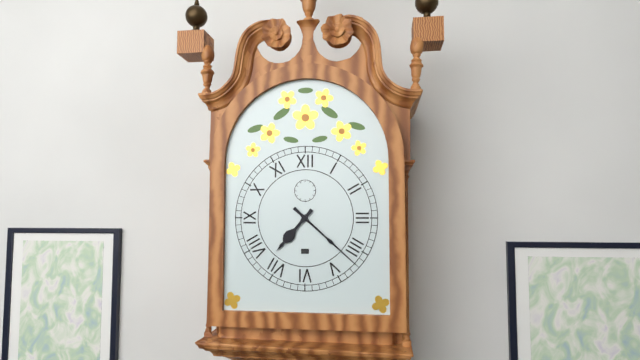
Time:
h=7 m=22
